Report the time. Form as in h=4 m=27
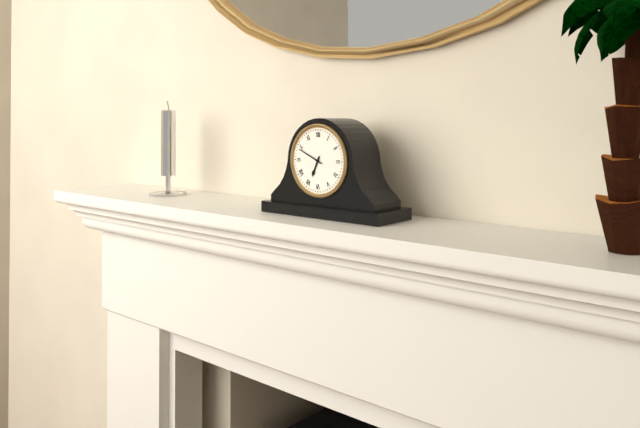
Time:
h=6 m=49
